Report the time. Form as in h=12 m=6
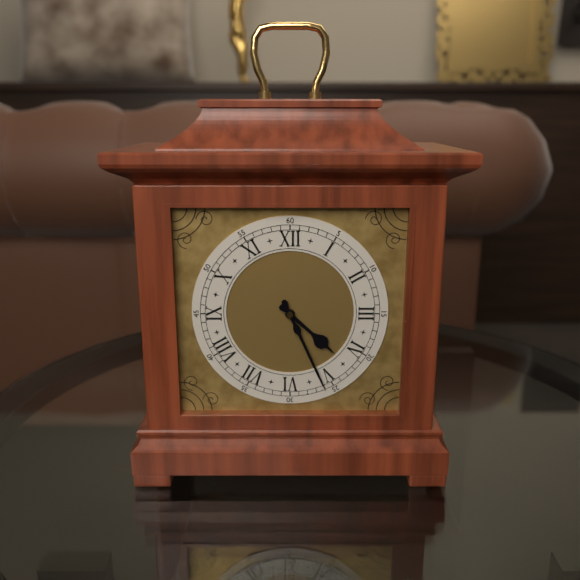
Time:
h=4 m=26
